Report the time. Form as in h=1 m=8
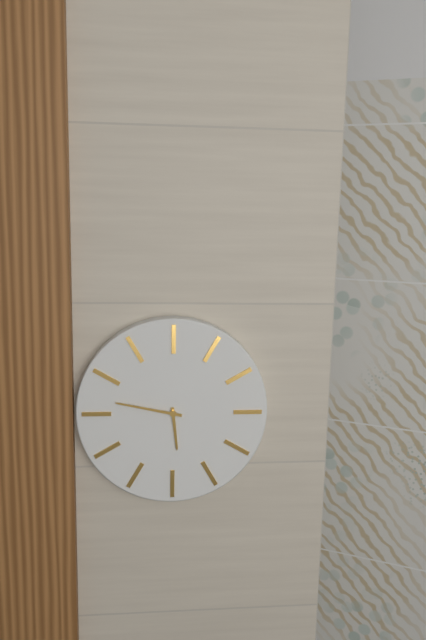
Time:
h=5 m=47
